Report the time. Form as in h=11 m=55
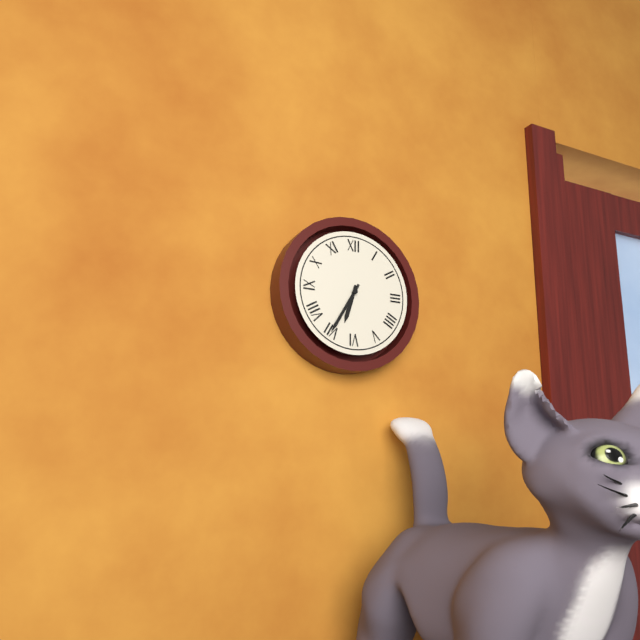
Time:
h=6 m=35
